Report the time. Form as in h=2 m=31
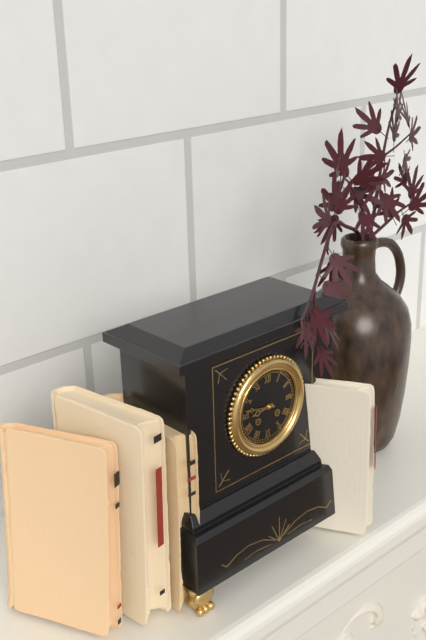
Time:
h=8 m=47
